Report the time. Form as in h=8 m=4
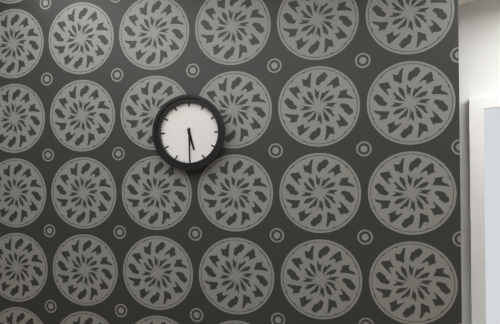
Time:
h=5 m=30
